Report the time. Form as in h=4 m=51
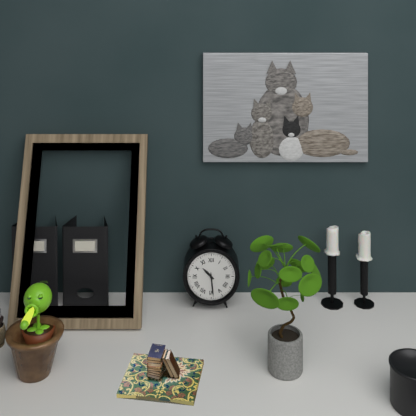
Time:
h=10 m=29
